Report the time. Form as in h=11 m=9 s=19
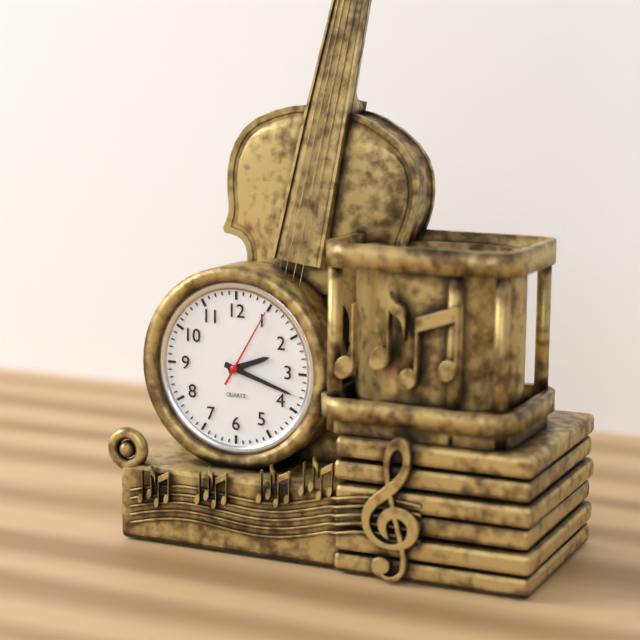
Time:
h=2 m=18 s=5
